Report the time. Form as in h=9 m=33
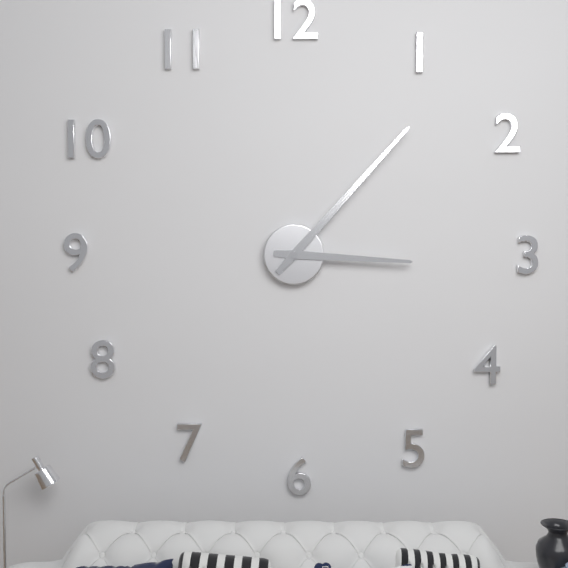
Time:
h=3 m=7
